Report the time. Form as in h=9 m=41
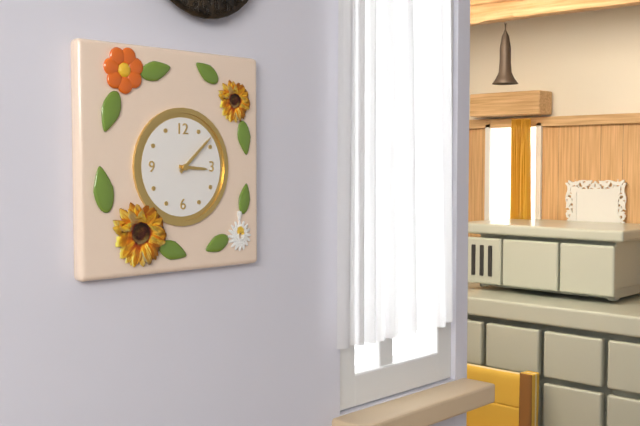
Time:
h=3 m=8
